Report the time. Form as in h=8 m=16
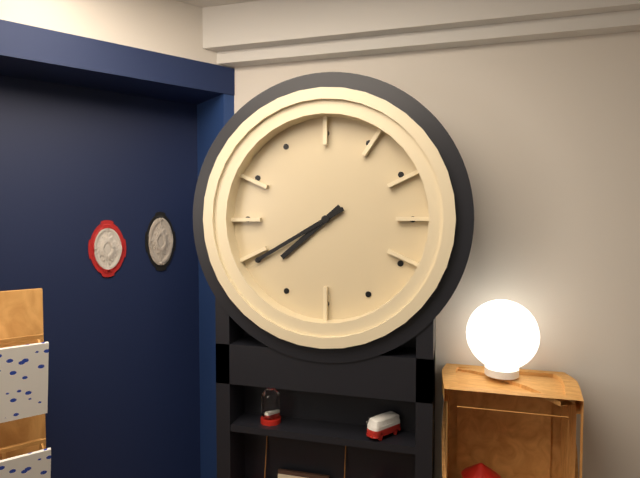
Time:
h=7 m=40
